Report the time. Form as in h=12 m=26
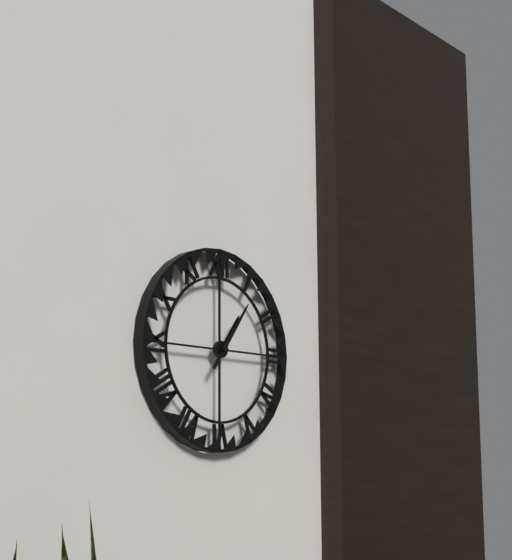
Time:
h=1 m=6
